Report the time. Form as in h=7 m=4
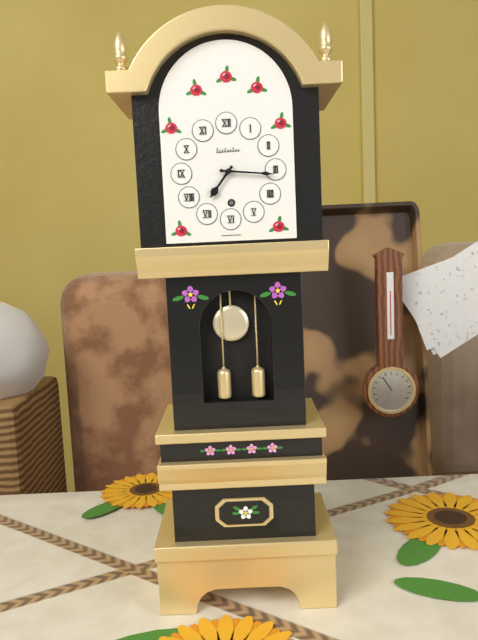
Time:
h=7 m=16
